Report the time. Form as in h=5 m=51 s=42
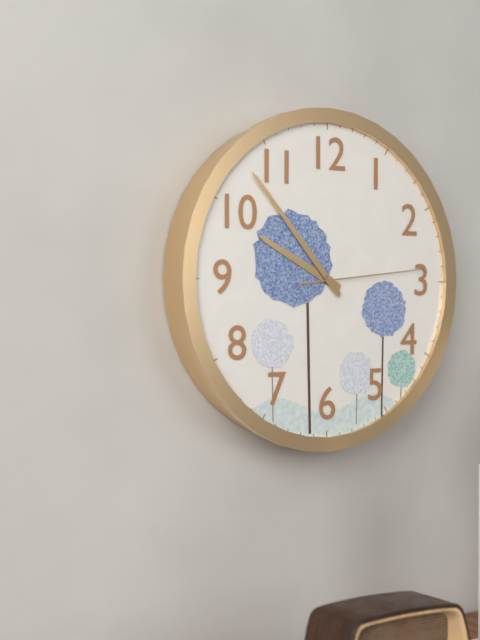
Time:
h=9 m=53 s=14
